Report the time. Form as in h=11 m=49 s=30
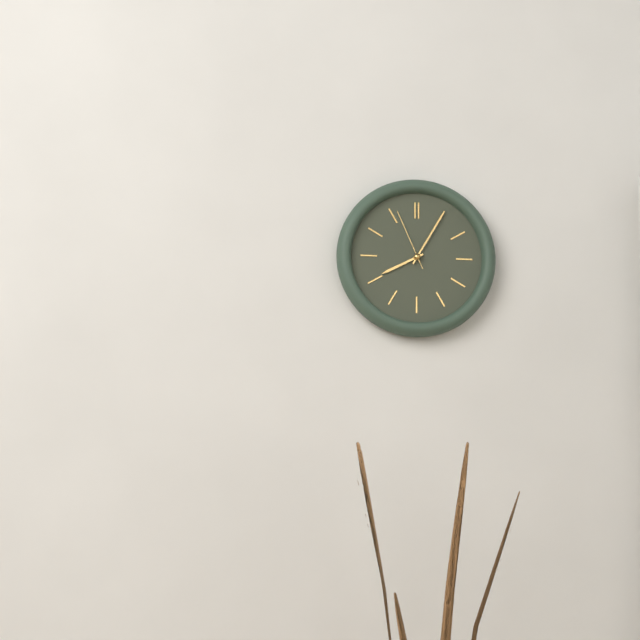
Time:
h=8 m=5 s=56
